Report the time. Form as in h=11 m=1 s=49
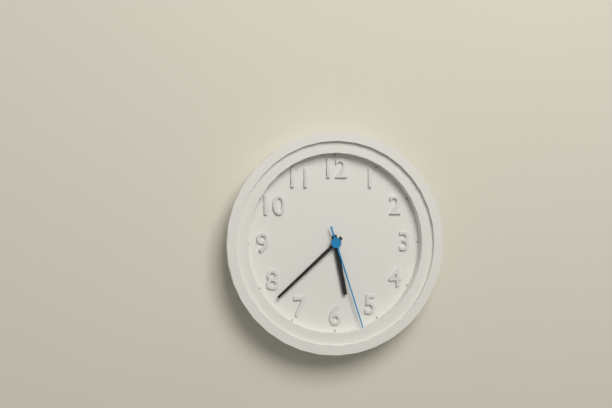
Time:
h=5 m=38 s=27
